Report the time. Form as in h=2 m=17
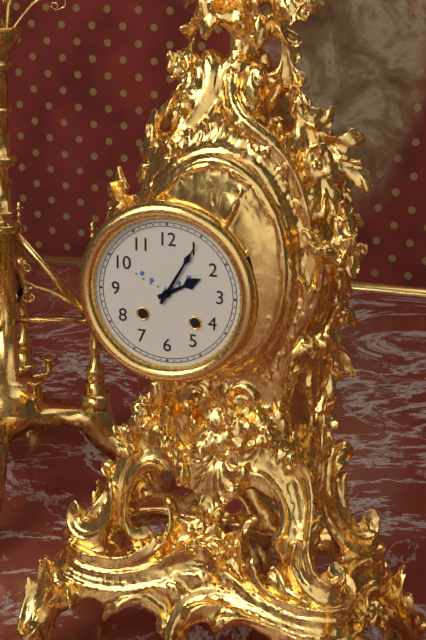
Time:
h=2 m=5
